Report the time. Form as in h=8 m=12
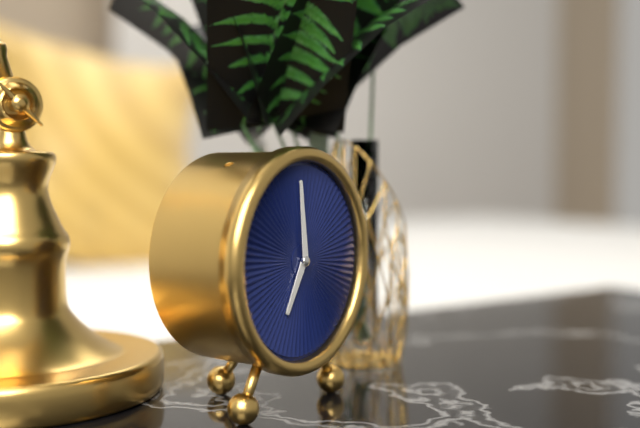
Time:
h=6 m=59
